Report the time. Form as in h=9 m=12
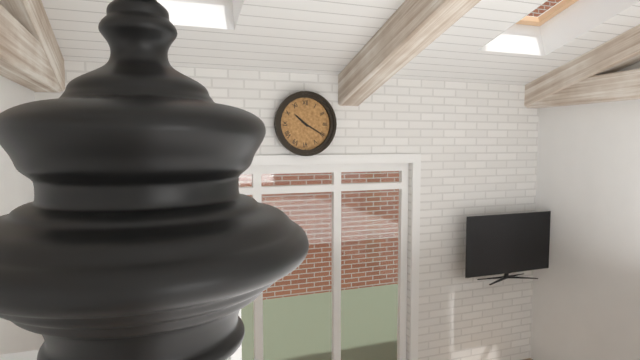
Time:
h=10 m=20
